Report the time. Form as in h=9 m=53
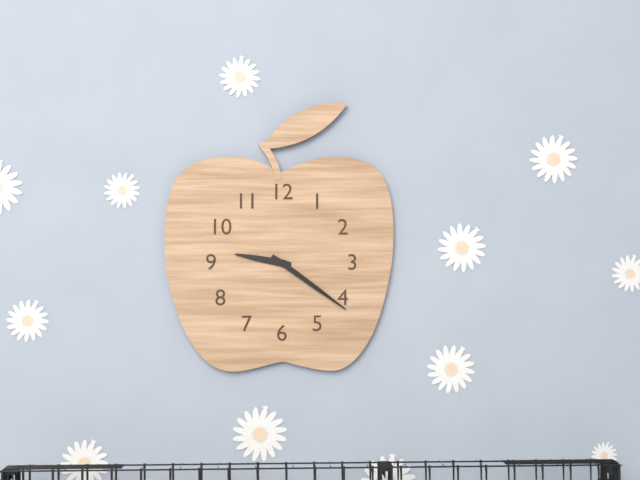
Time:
h=9 m=21
